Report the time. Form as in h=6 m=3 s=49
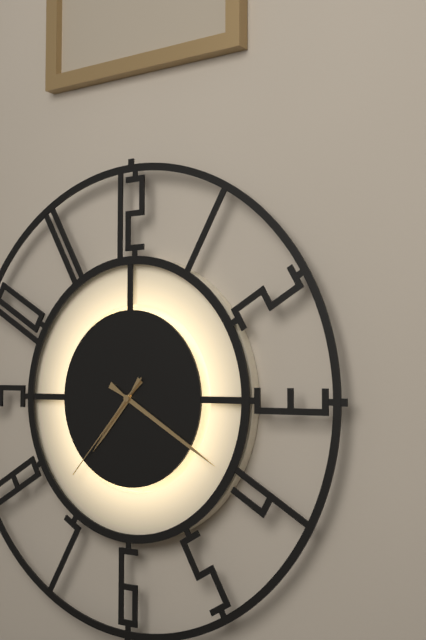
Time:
h=7 m=20 s=37
